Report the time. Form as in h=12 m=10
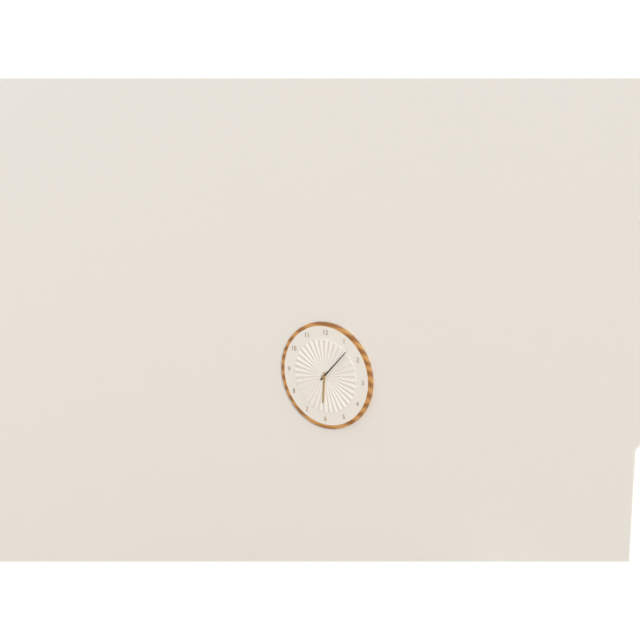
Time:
h=6 m=7
